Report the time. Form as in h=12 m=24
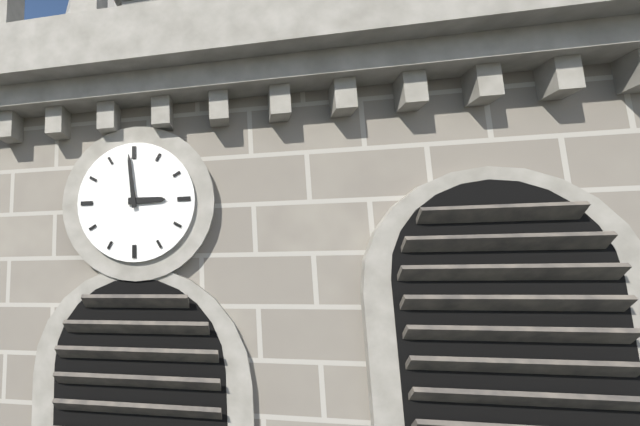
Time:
h=2 m=59
